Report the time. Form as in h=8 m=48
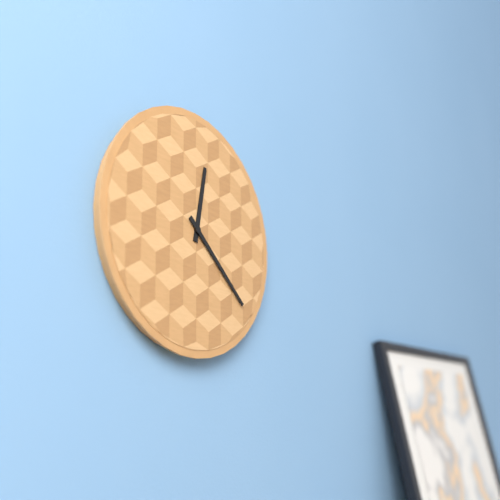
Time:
h=12 m=22
